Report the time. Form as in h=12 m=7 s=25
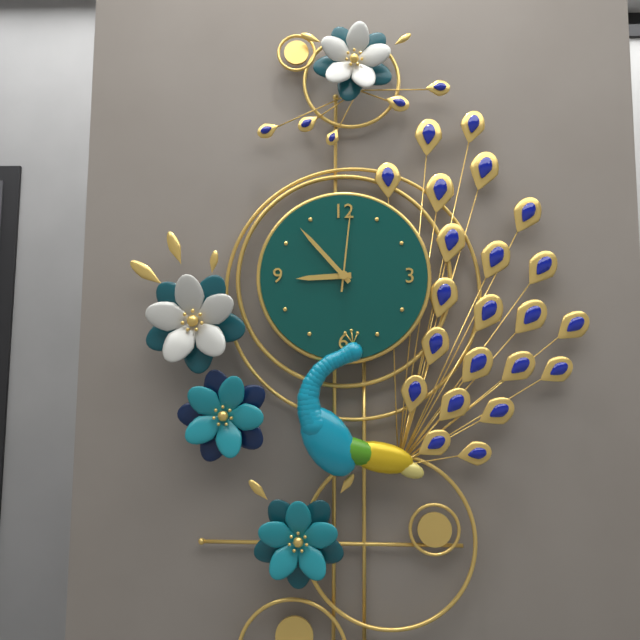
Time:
h=8 m=53 s=1
